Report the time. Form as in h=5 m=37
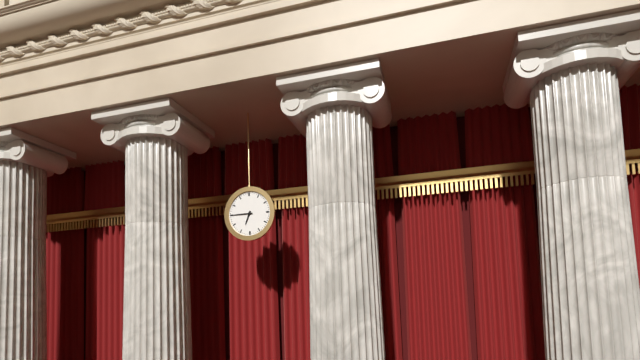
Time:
h=6 m=45
